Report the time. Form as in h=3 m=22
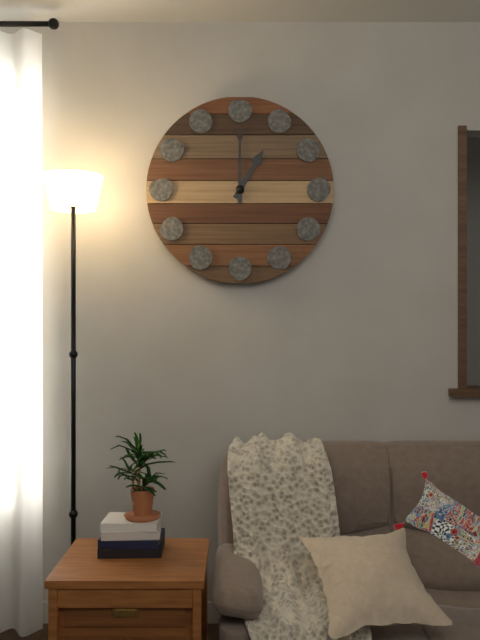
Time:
h=1 m=0
